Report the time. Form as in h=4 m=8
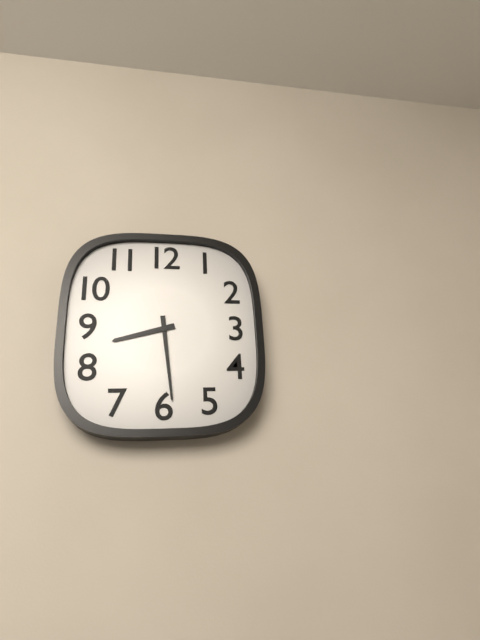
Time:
h=8 m=29
